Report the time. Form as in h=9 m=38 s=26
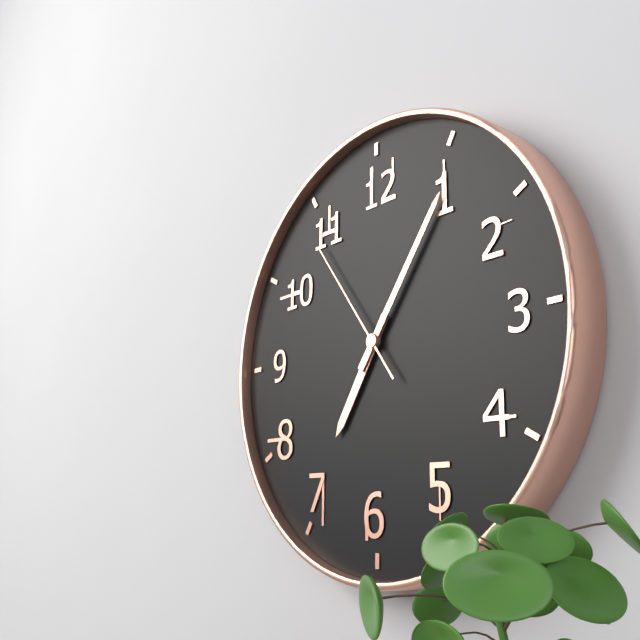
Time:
h=7 m=6 s=54
